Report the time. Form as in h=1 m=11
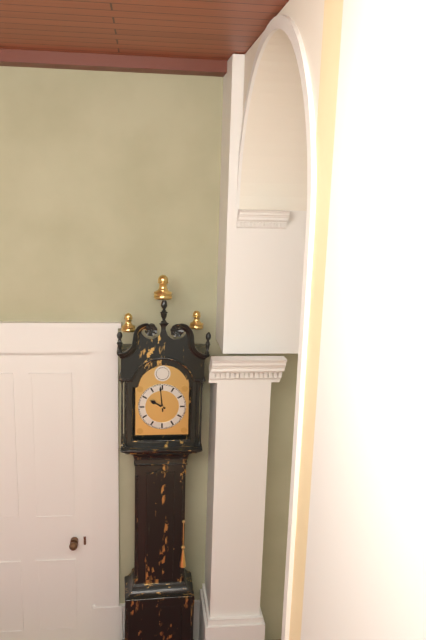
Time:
h=9 m=59
